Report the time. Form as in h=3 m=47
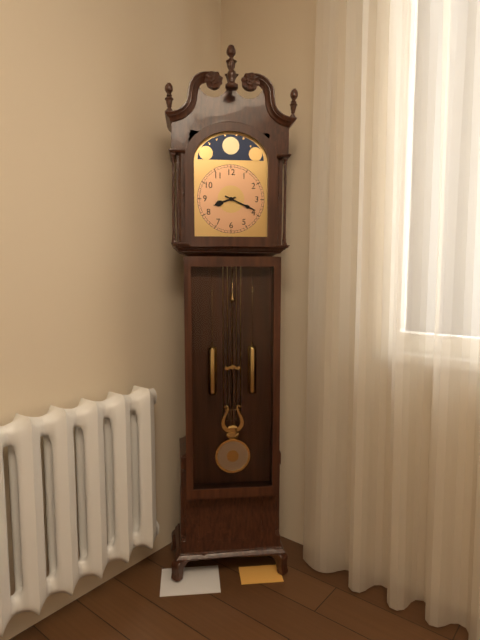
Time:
h=8 m=19
